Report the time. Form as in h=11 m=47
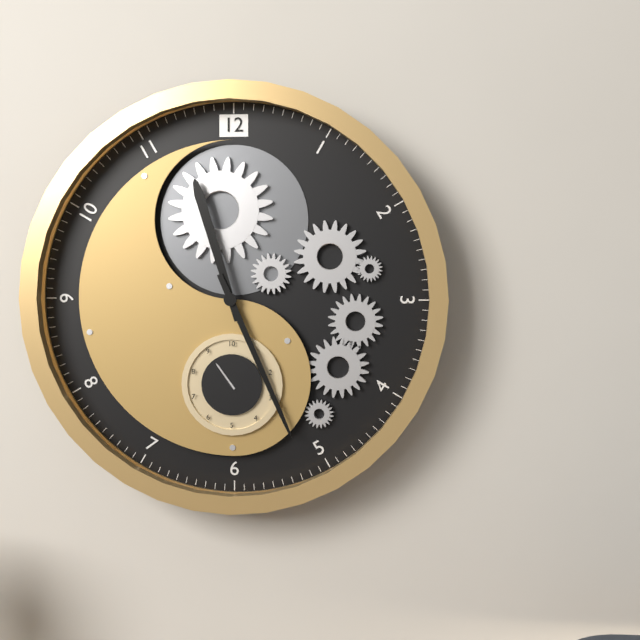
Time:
h=11 m=26
